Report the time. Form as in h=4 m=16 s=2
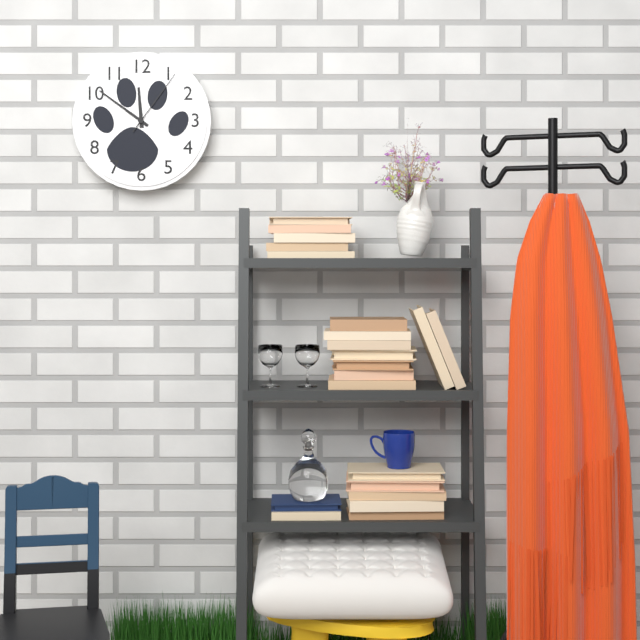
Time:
h=11 m=51 s=6
